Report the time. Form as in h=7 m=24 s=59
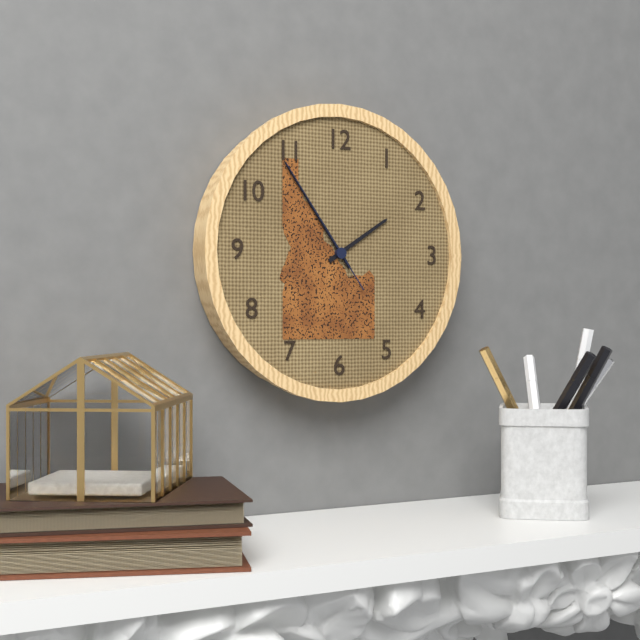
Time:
h=1 m=54 s=54
